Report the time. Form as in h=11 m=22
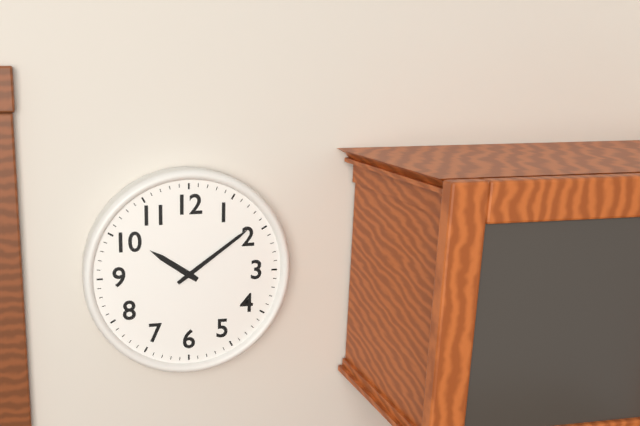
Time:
h=10 m=9
